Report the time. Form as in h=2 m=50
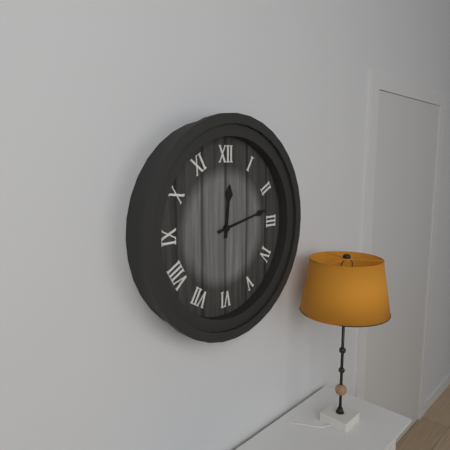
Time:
h=12 m=13
